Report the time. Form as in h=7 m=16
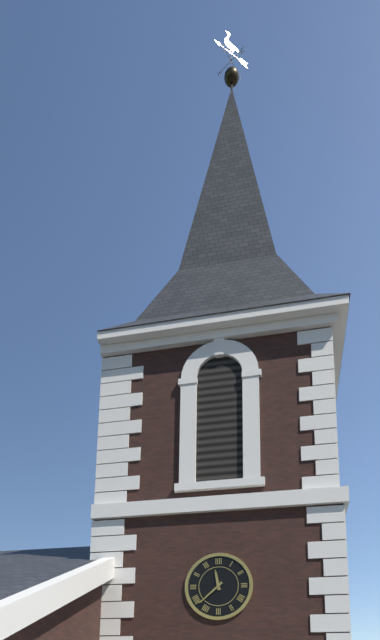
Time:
h=11 m=38
